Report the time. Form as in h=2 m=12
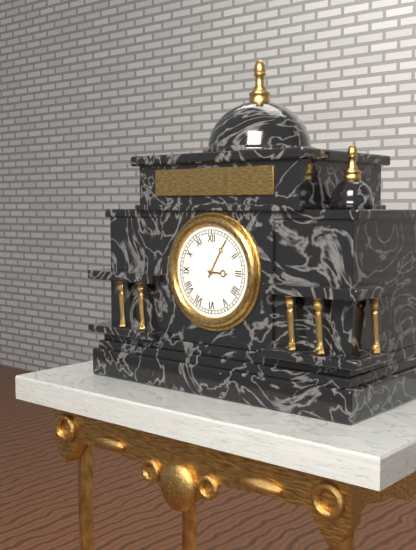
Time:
h=3 m=5
